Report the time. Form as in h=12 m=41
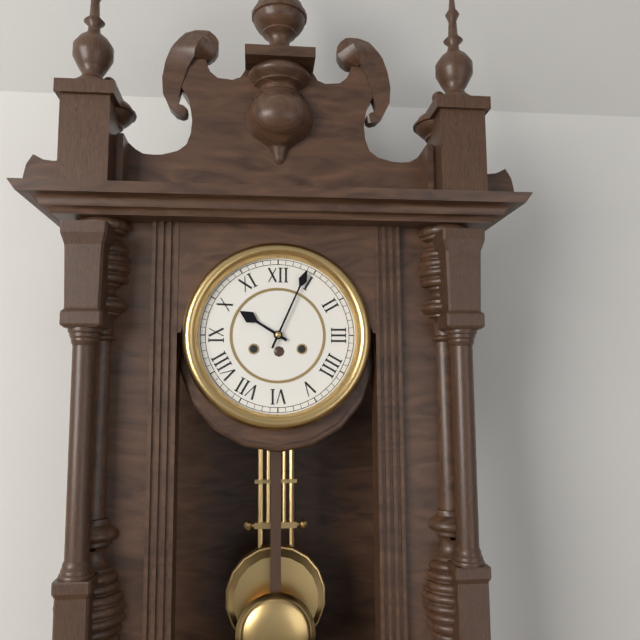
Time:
h=10 m=4
